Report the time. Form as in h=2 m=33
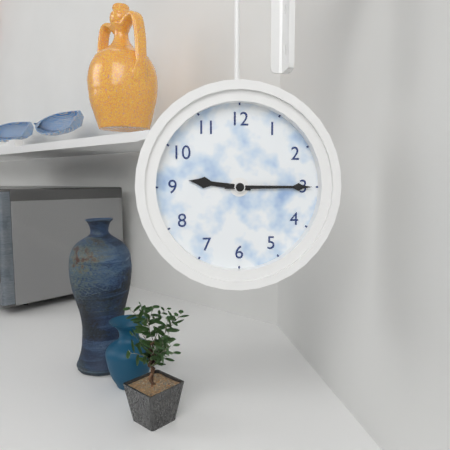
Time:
h=9 m=15
